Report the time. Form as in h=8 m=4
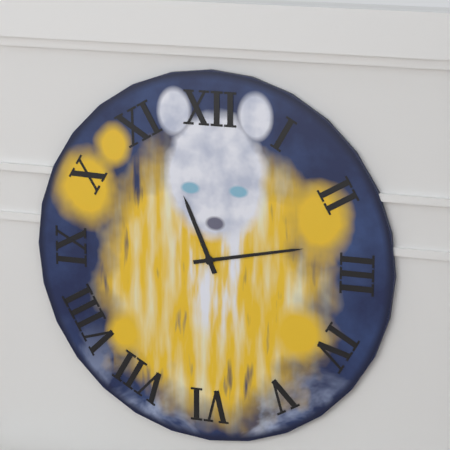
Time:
h=11 m=13
